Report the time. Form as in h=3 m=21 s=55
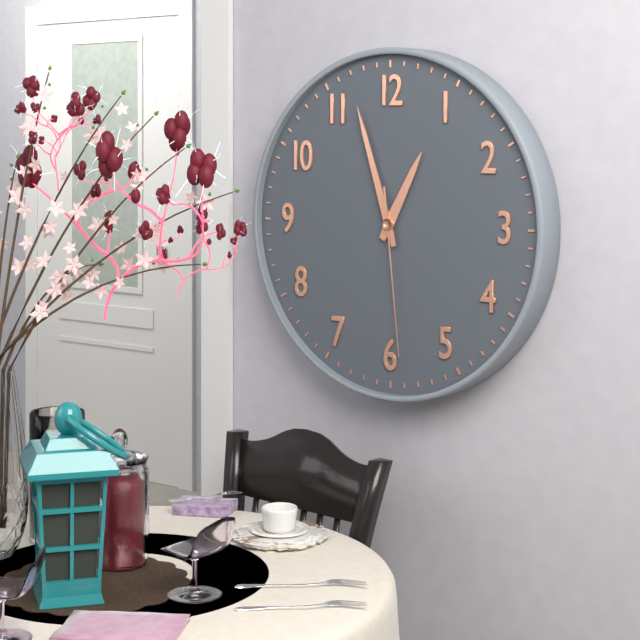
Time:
h=12 m=57 s=29
